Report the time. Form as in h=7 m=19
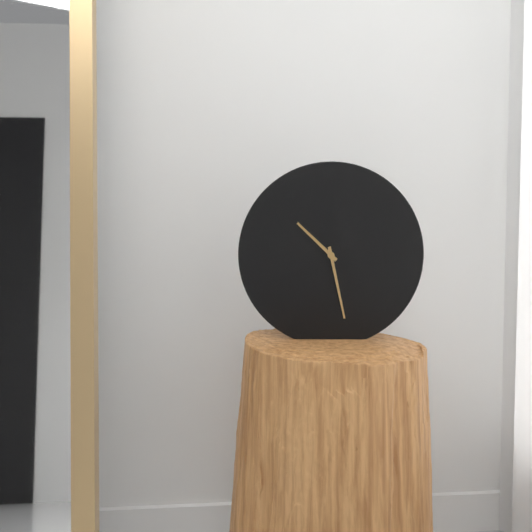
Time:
h=10 m=28
